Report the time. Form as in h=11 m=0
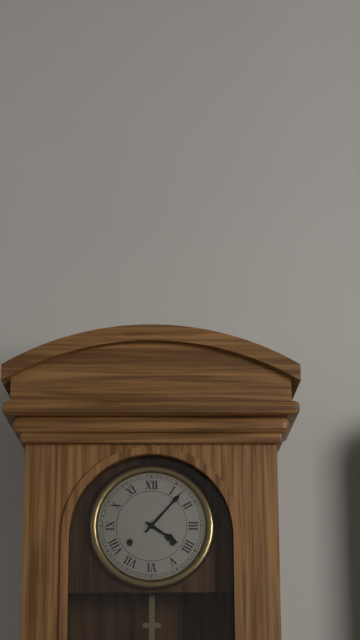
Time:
h=4 m=7
